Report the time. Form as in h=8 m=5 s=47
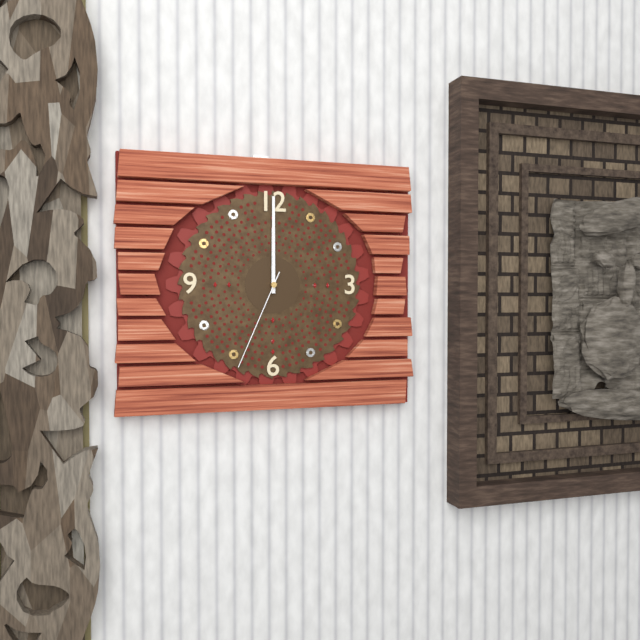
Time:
h=12 m=0 s=34
